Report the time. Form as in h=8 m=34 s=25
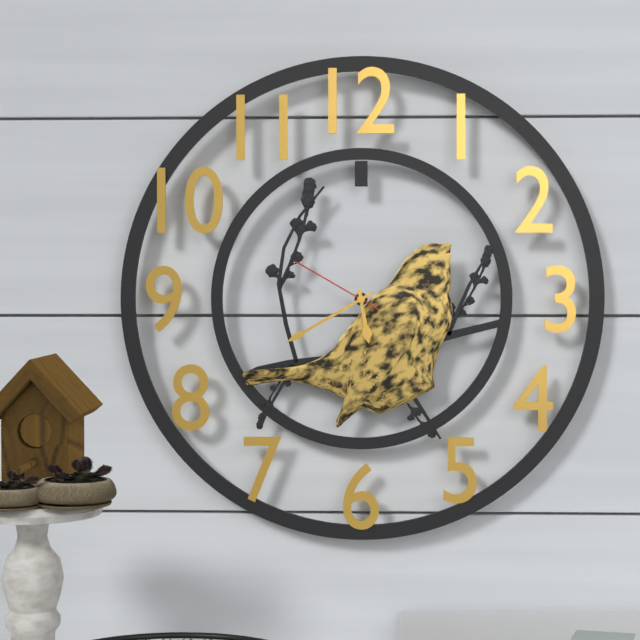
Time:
h=5 m=40 s=50
